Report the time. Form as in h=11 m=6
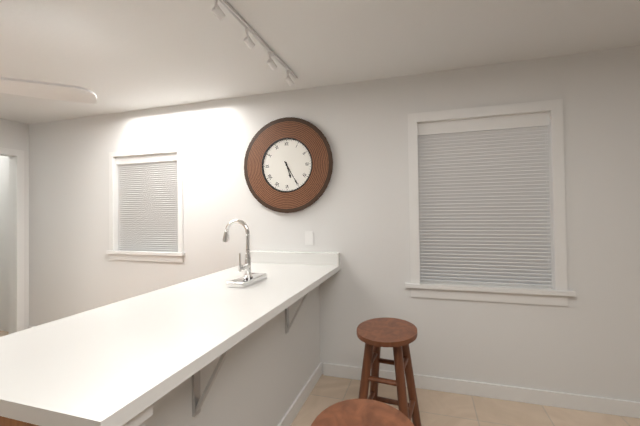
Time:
h=5 m=25
